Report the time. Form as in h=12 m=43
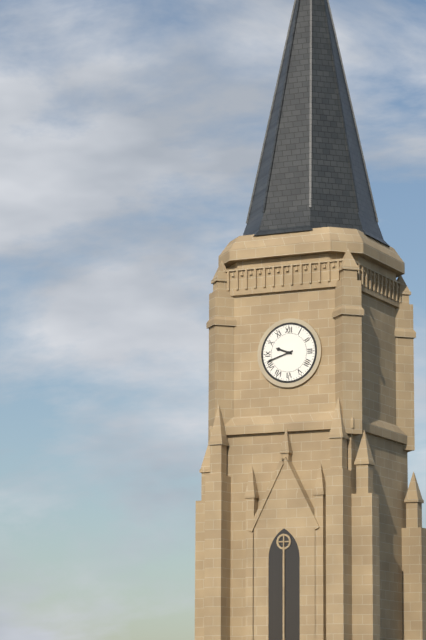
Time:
h=9 m=42
